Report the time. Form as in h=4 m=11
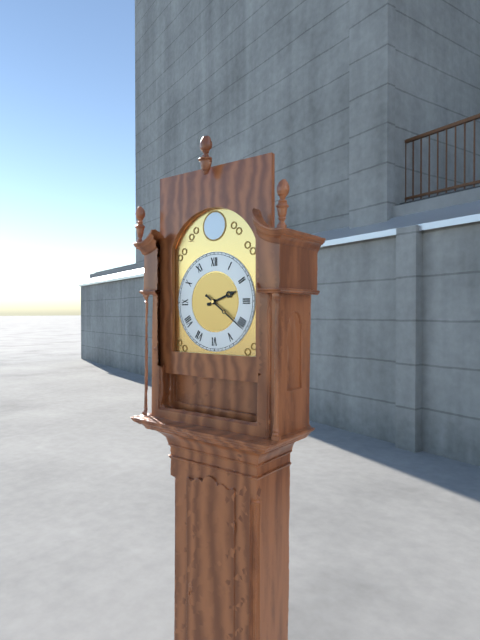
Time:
h=2 m=21
